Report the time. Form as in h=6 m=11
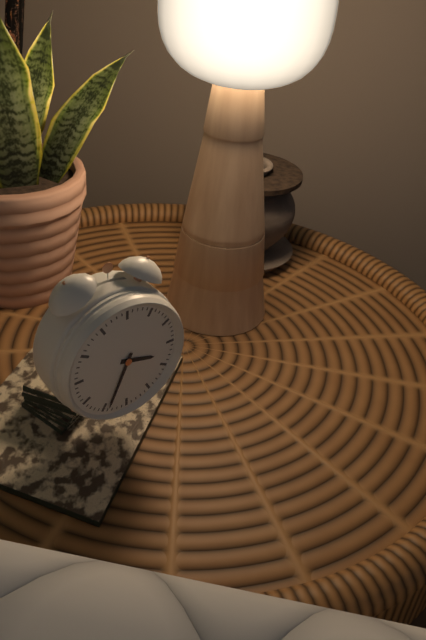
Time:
h=3 m=34
